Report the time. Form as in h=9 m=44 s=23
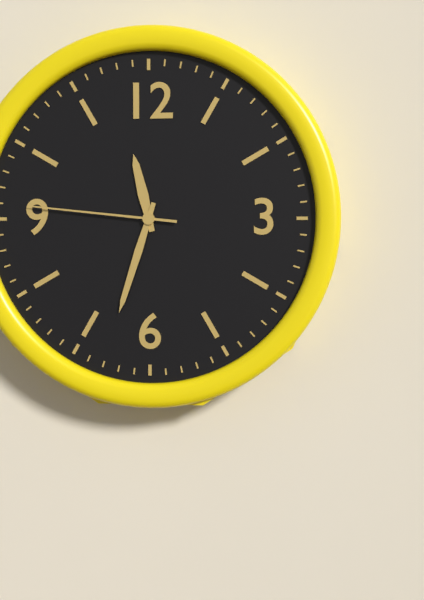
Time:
h=11 m=33 s=46
